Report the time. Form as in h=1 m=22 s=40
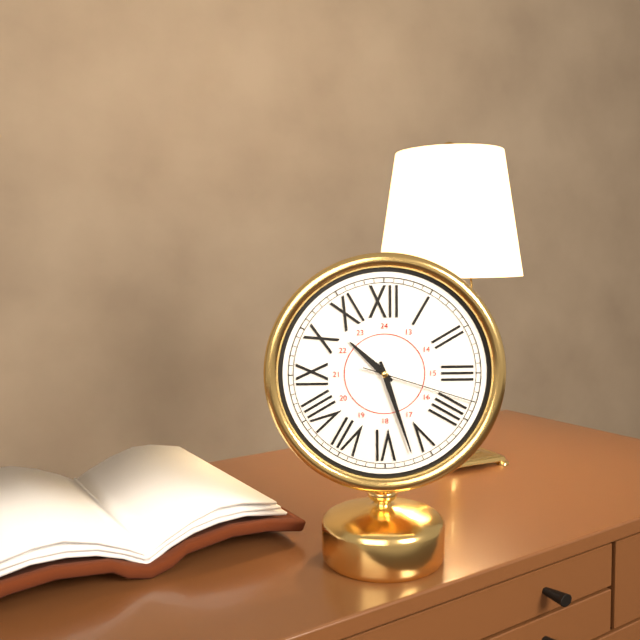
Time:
h=10 m=27 s=18
